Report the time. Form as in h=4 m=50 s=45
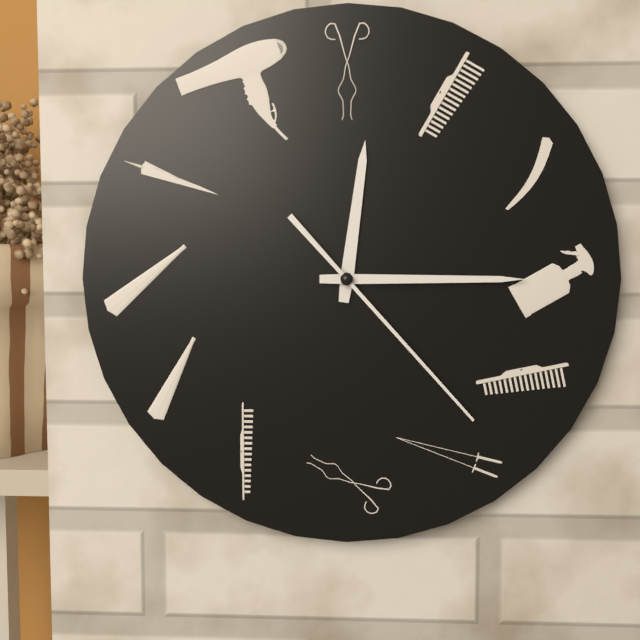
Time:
h=12 m=15 s=23
